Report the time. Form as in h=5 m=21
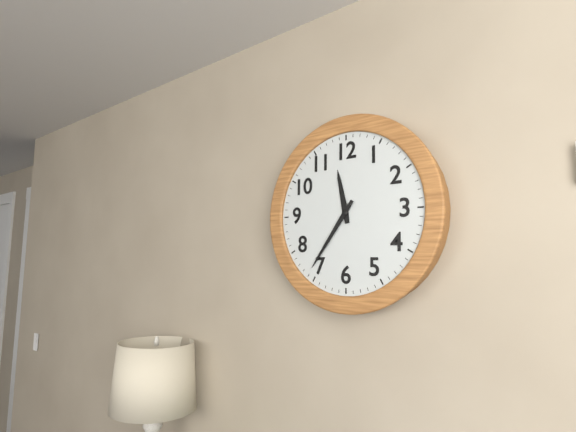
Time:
h=11 m=36
